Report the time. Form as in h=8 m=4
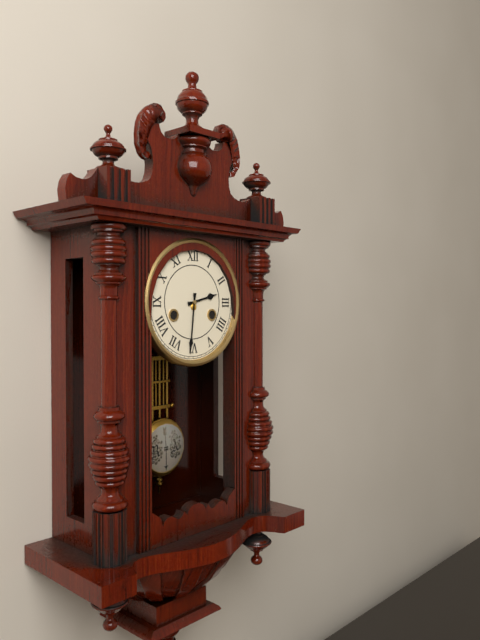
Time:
h=2 m=31
